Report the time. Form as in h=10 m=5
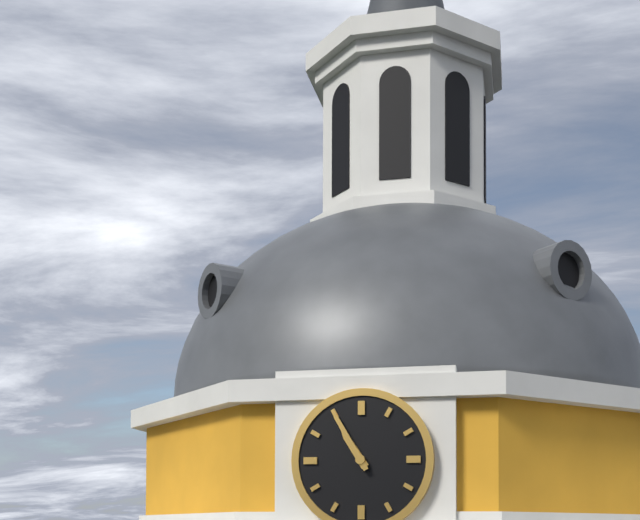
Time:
h=10 m=55
